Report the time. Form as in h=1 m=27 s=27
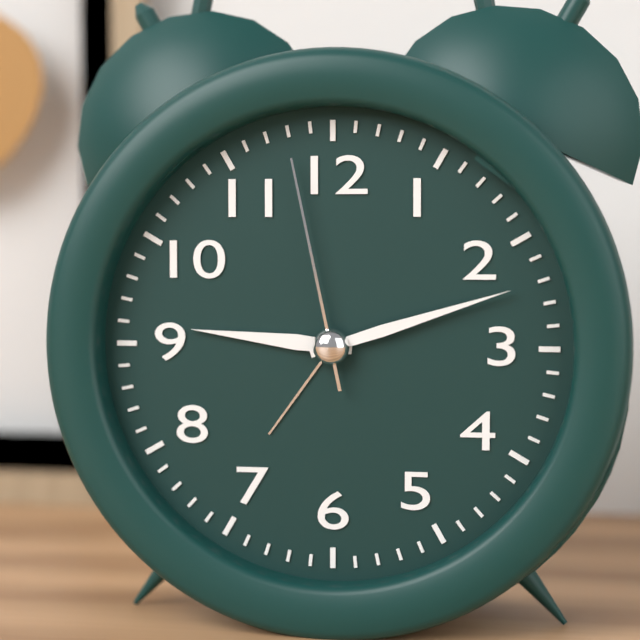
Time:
h=9 m=12 s=58
